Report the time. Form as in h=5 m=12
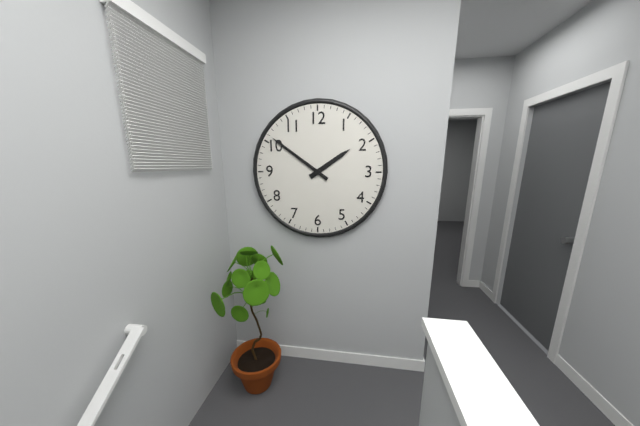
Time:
h=1 m=51
